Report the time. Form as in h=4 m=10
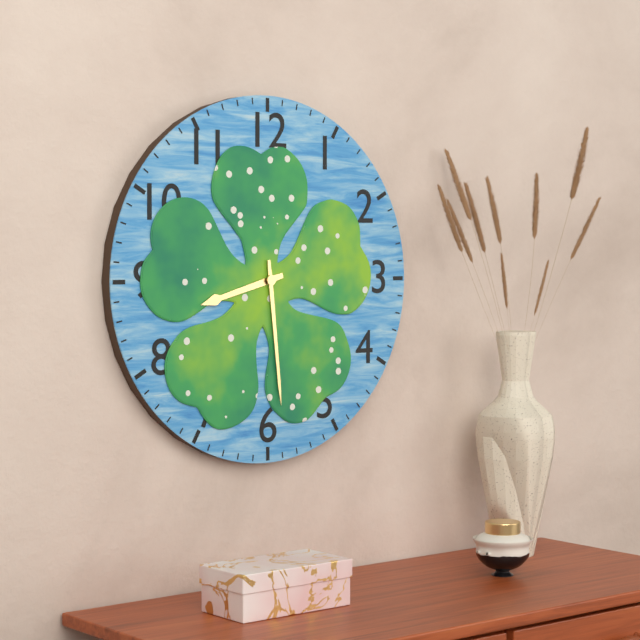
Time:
h=8 m=29
